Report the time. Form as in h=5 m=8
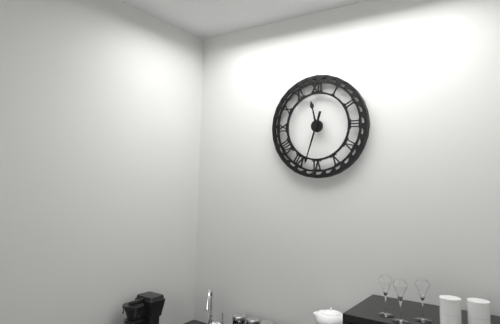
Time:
h=11 m=33
